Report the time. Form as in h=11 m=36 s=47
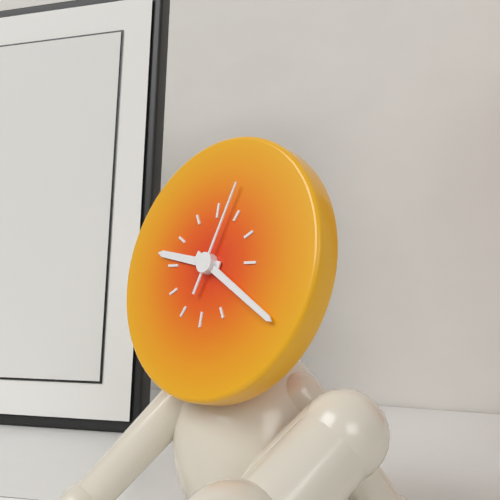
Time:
h=9 m=20 s=3
